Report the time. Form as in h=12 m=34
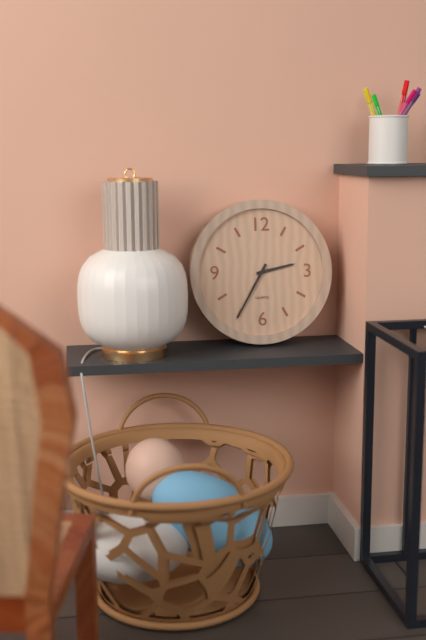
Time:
h=2 m=35
